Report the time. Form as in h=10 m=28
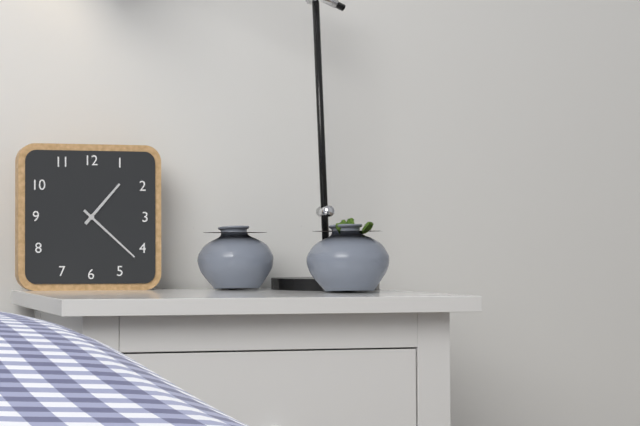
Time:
h=1 m=22
